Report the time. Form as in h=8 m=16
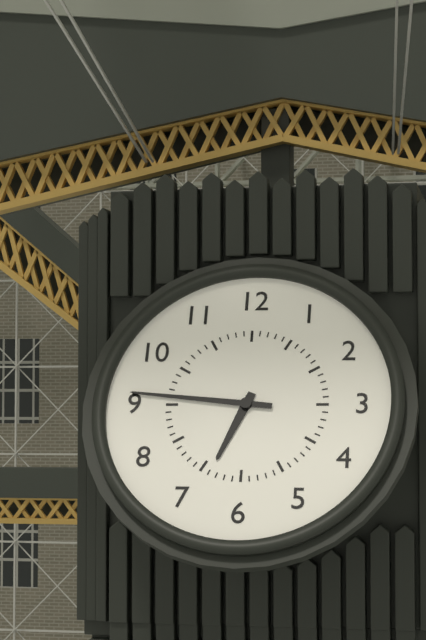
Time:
h=6 m=46
